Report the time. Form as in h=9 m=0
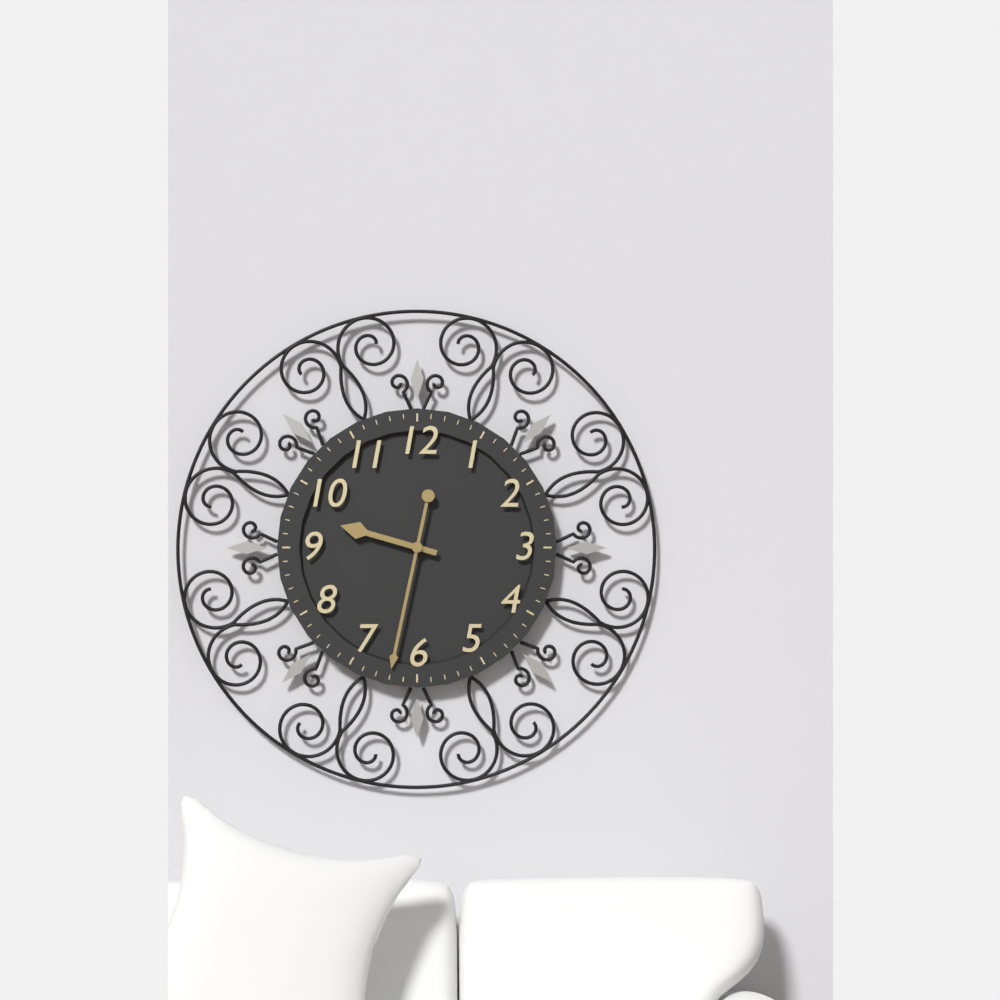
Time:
h=9 m=32
